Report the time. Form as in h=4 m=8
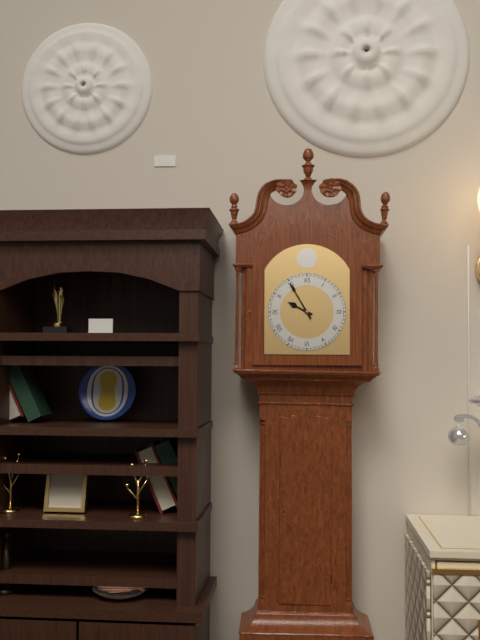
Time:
h=9 m=55
